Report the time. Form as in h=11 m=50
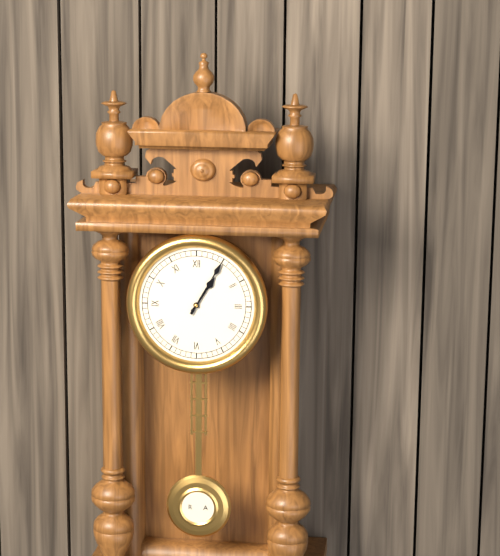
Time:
h=1 m=5
